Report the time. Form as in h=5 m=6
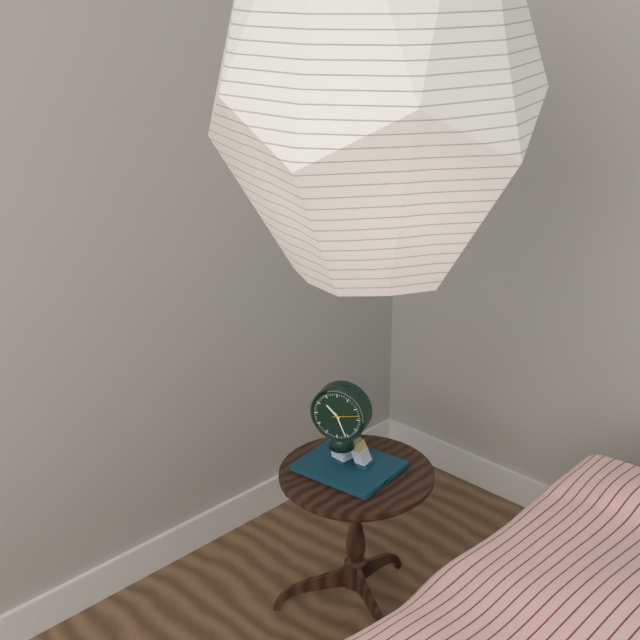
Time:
h=10 m=26
